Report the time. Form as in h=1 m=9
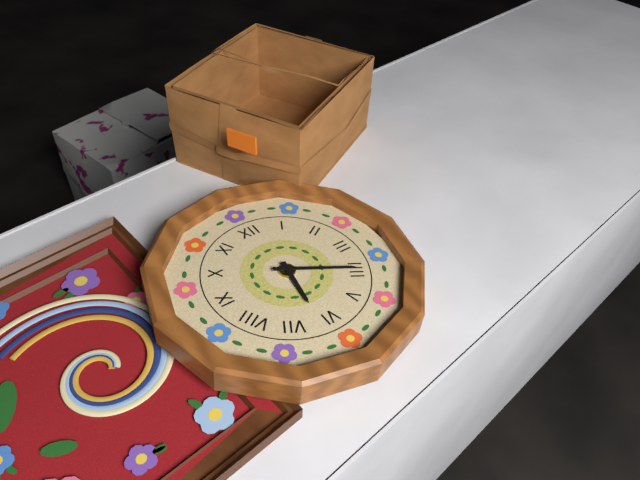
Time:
h=6 m=20
